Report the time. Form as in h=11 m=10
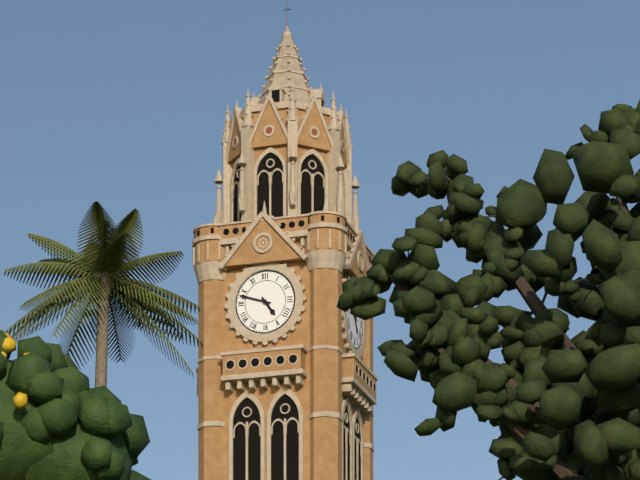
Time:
h=4 m=48
